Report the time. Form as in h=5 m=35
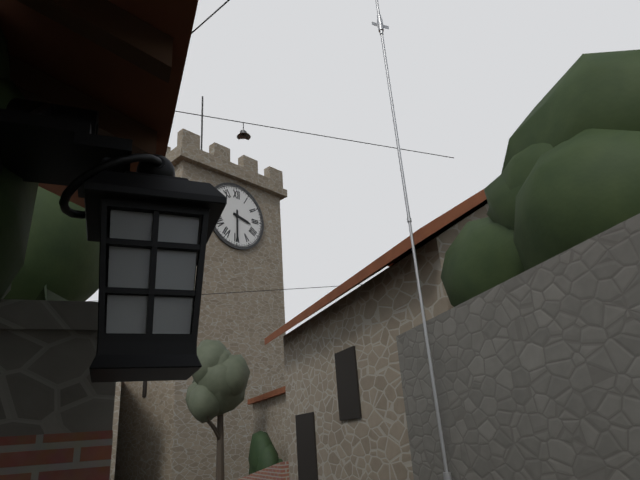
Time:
h=3 m=30
